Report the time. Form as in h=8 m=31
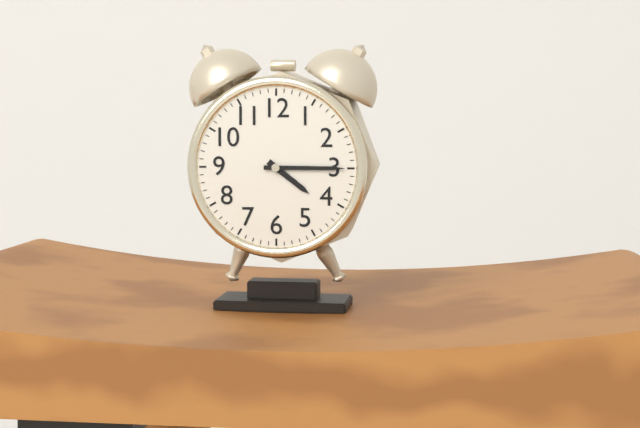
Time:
h=4 m=15
